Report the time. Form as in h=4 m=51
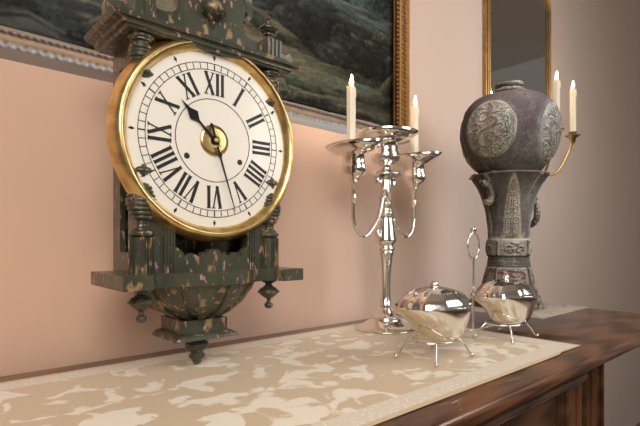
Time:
h=10 m=27
